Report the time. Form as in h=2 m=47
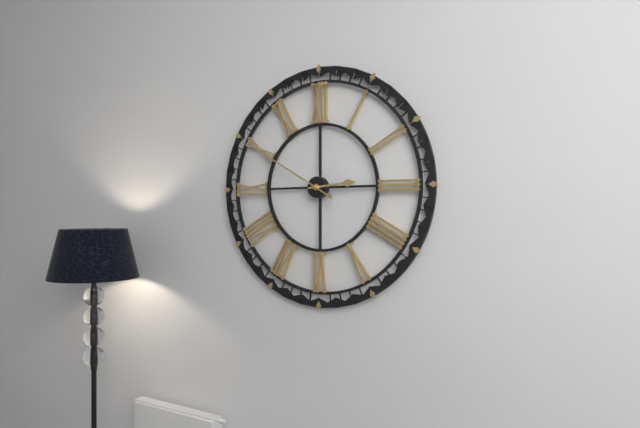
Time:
h=2 m=50
